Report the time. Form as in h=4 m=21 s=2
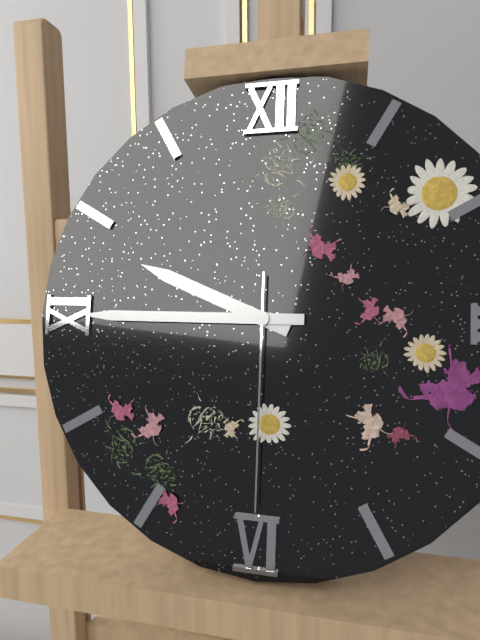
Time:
h=9 m=45 s=30
